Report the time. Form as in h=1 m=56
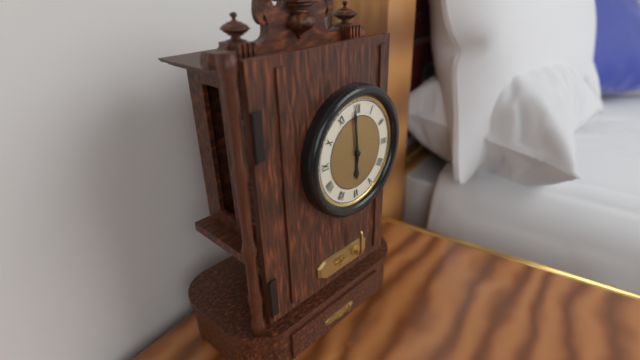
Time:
h=5 m=59
